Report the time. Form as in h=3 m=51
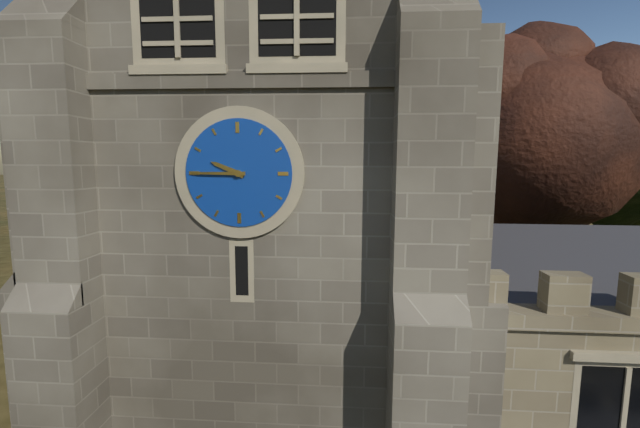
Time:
h=9 m=45
